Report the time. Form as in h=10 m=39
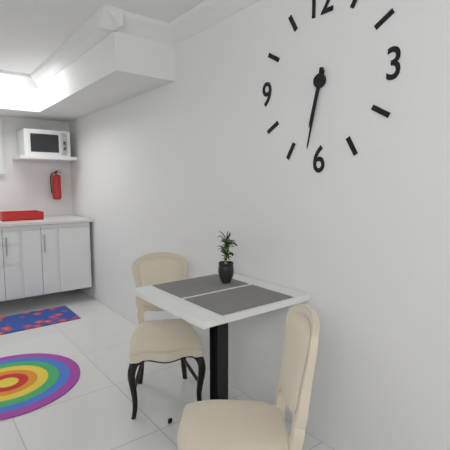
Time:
h=6 m=32
